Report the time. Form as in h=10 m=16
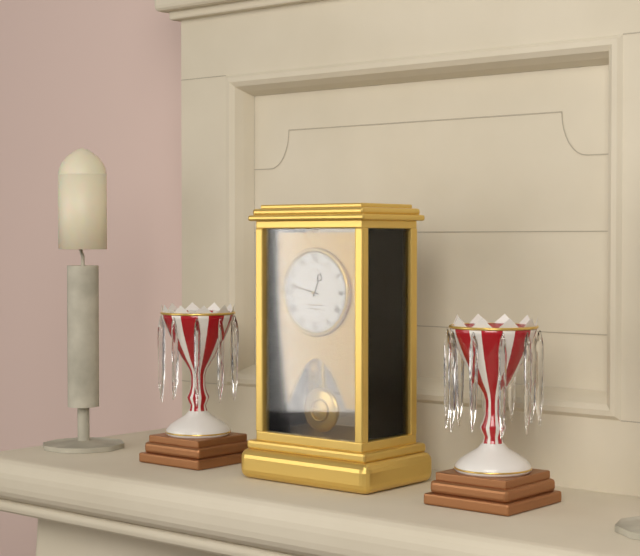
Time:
h=12 m=47
